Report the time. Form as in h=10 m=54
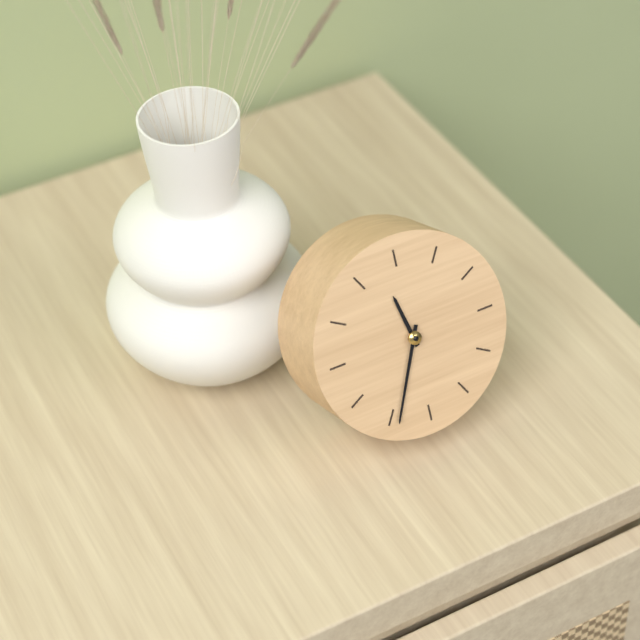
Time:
h=11 m=34
